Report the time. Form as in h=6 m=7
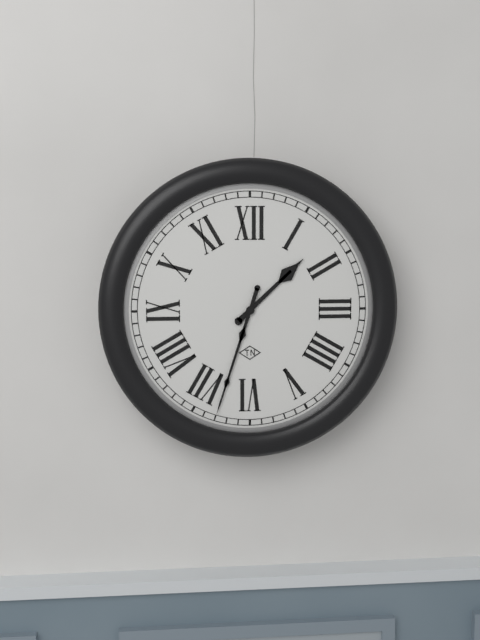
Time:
h=1 m=33
